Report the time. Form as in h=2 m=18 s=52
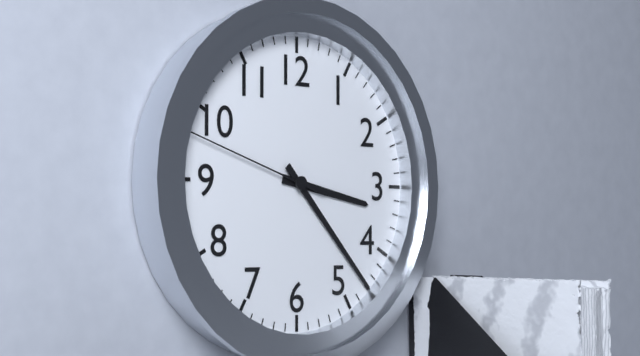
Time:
h=3 m=23 s=48
